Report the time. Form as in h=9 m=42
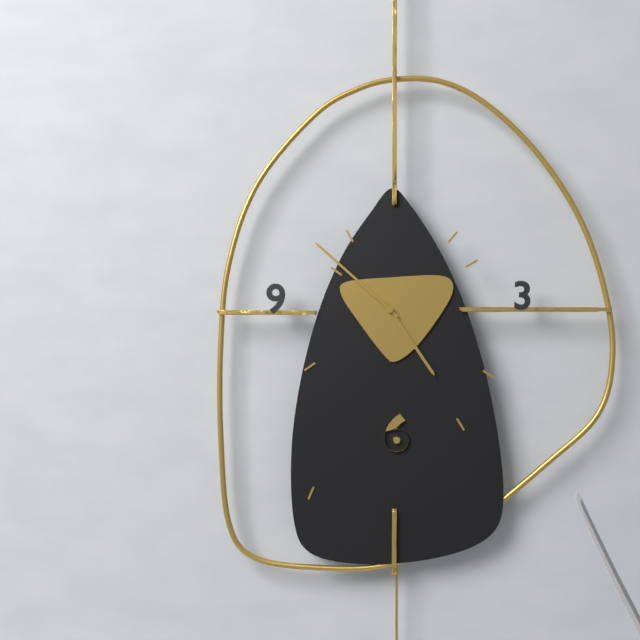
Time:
h=4 m=52
